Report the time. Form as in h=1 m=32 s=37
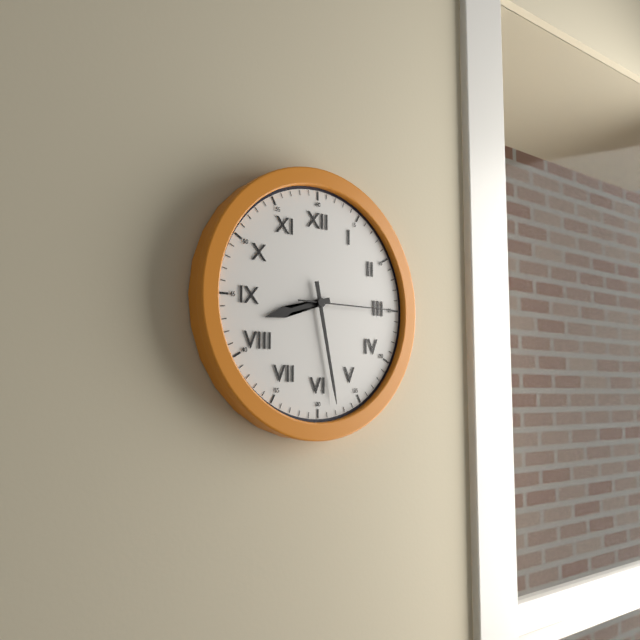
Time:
h=8 m=28 s=15
